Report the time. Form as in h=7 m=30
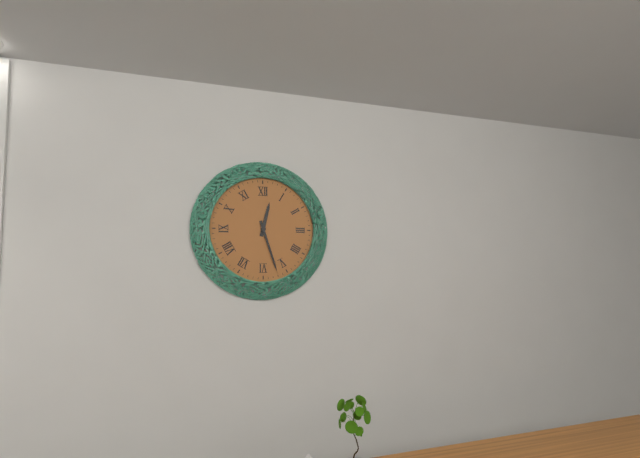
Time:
h=12 m=27
